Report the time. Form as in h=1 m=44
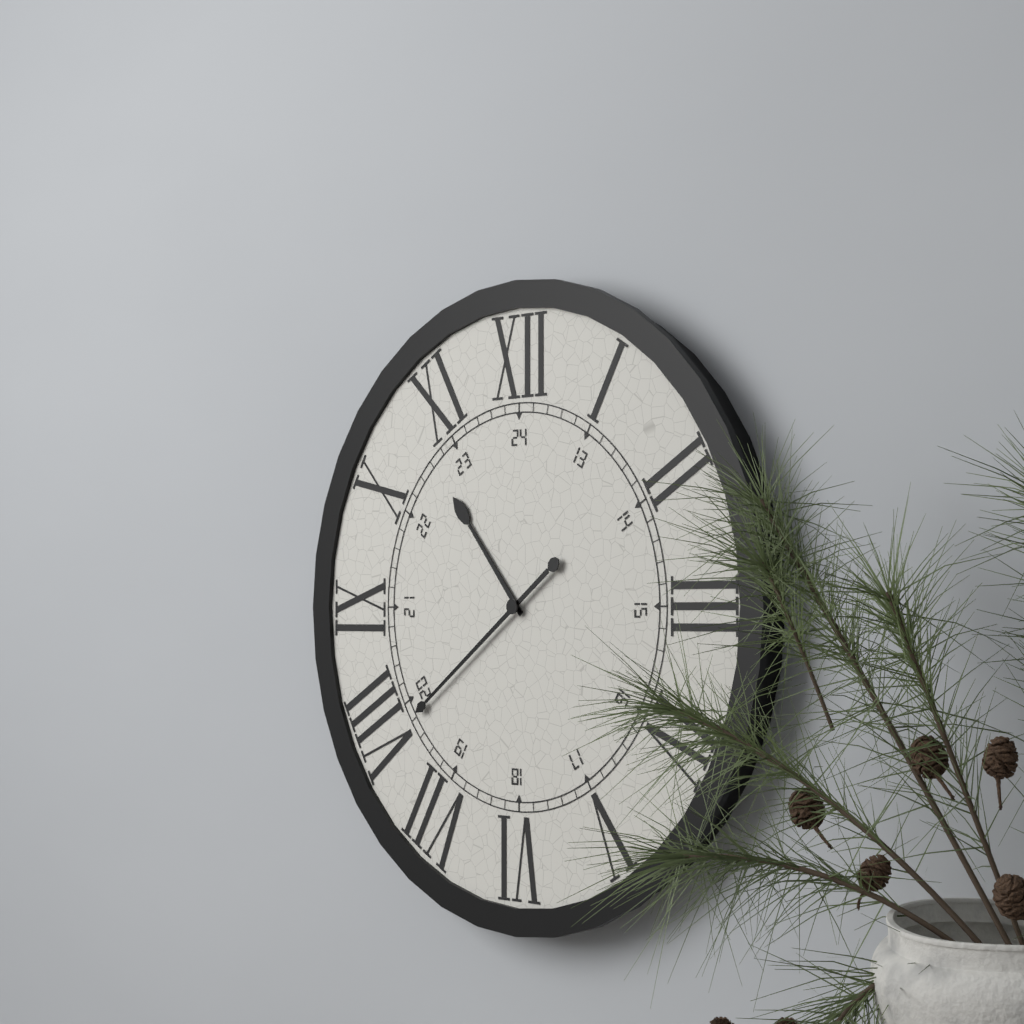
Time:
h=10 m=39
